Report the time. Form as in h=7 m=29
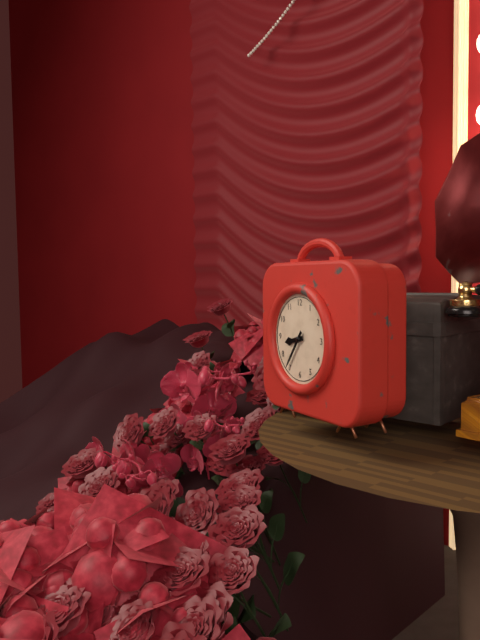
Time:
h=8 m=36
